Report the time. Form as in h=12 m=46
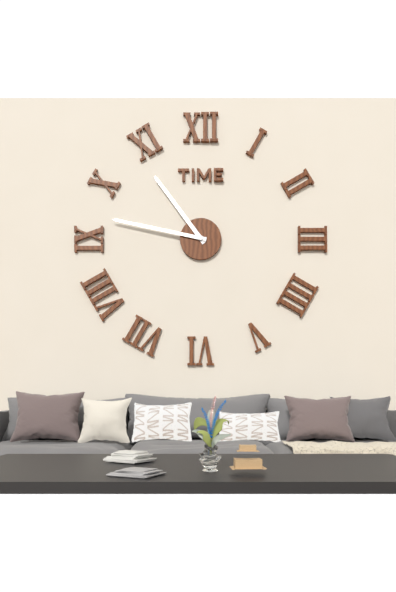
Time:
h=10 m=47
